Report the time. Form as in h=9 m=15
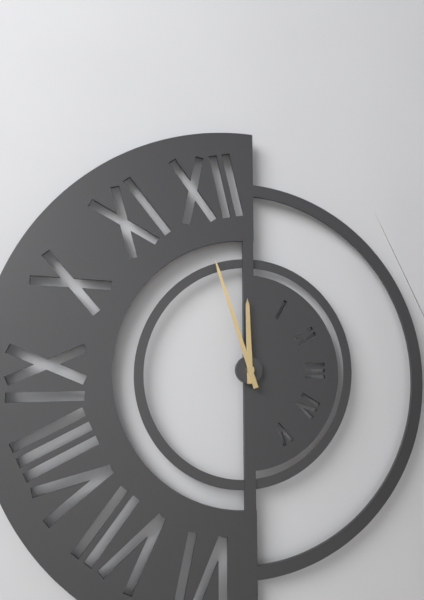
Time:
h=11 m=57
